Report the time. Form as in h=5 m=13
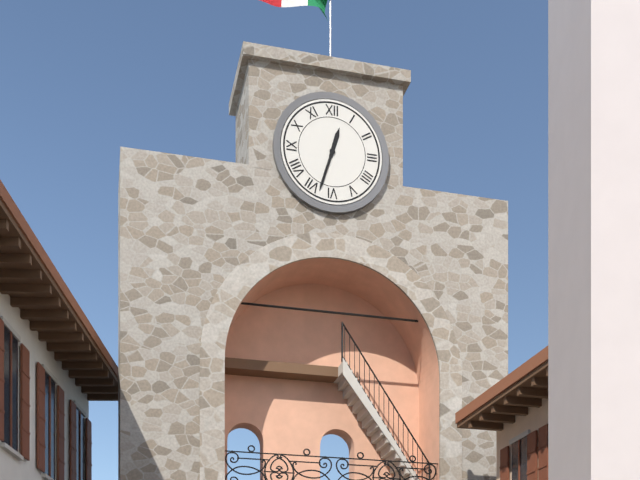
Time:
h=12 m=33
